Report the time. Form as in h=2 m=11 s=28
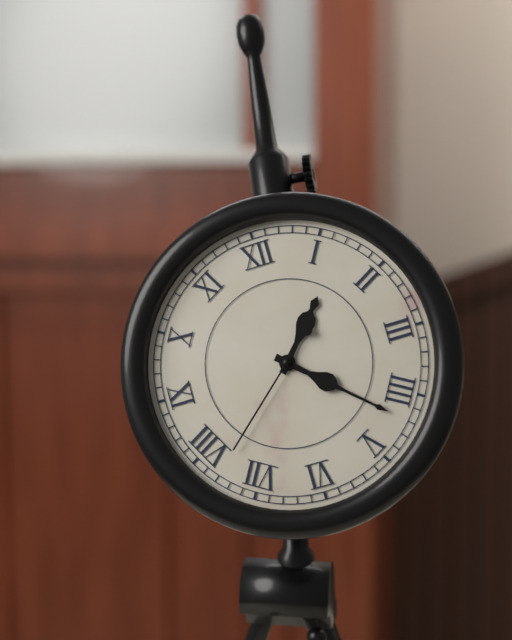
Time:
h=1 m=22 s=38
